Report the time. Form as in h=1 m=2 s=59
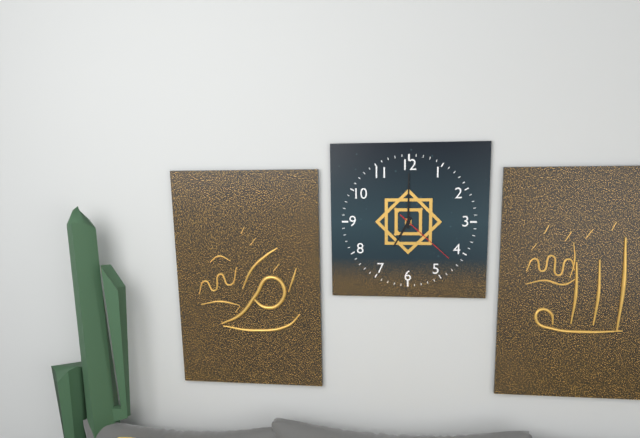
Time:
h=7 m=0 s=22
